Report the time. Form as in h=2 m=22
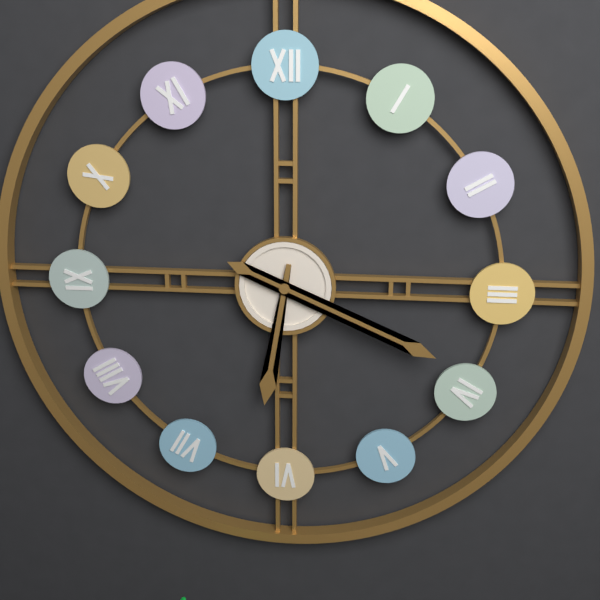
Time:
h=6 m=19
